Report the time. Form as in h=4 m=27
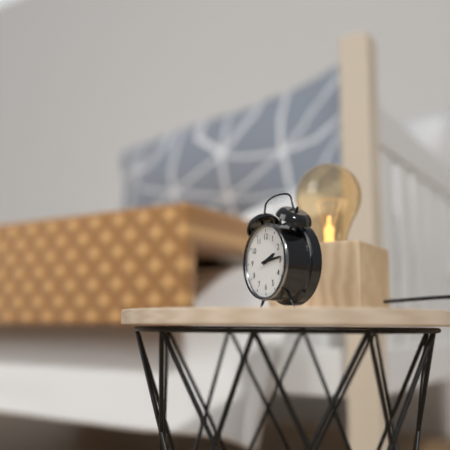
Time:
h=2 m=14
